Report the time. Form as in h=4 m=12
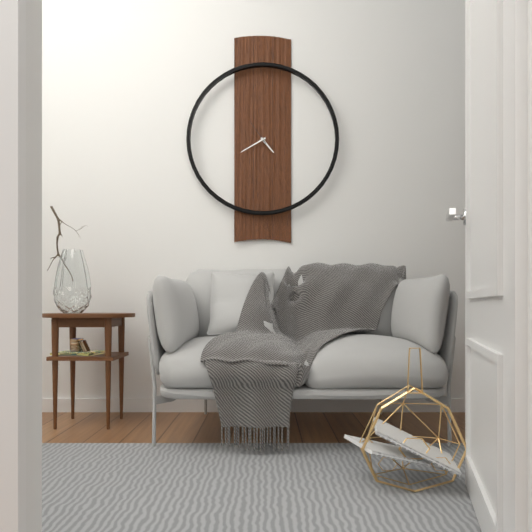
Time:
h=4 m=40
